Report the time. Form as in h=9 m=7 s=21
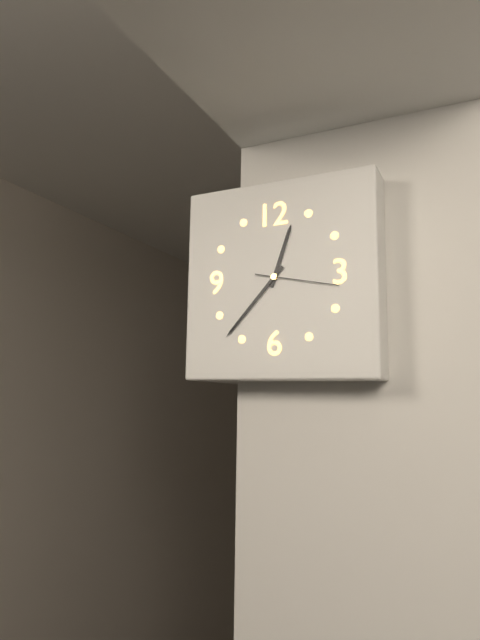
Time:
h=12 m=37 s=17
